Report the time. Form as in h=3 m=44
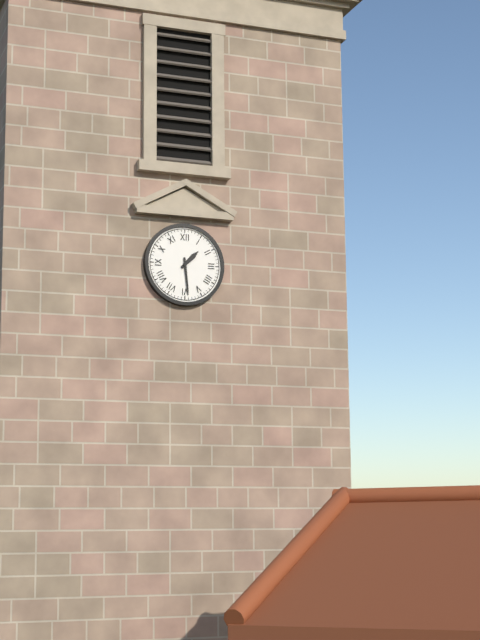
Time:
h=1 m=29
